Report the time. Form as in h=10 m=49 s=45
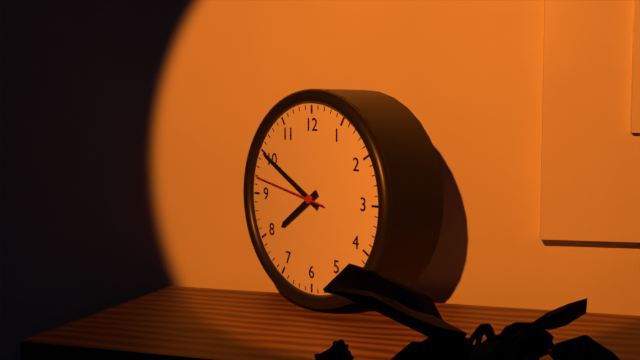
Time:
h=7 m=50 s=47
